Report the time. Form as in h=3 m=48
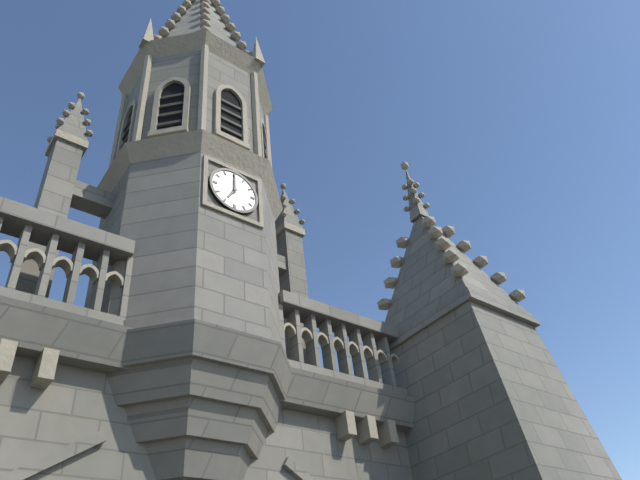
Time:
h=7 m=0
